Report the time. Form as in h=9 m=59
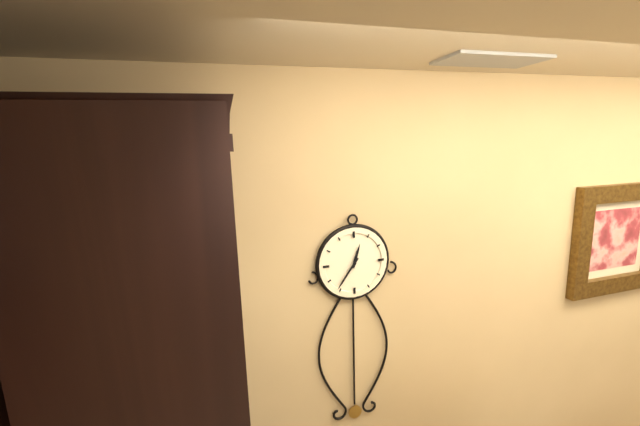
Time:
h=12 m=36
